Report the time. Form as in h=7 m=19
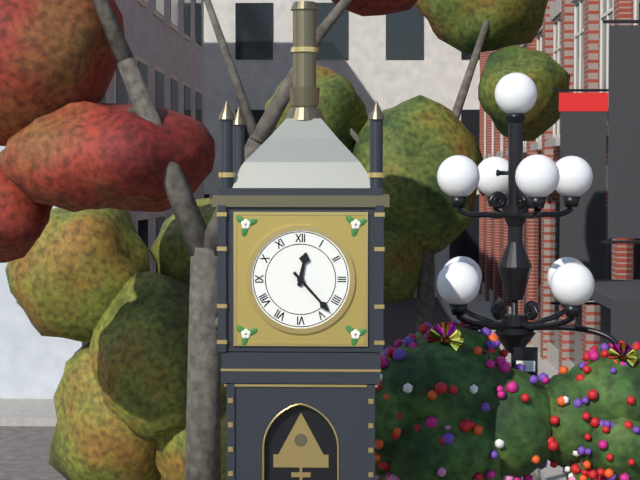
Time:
h=12 m=23
